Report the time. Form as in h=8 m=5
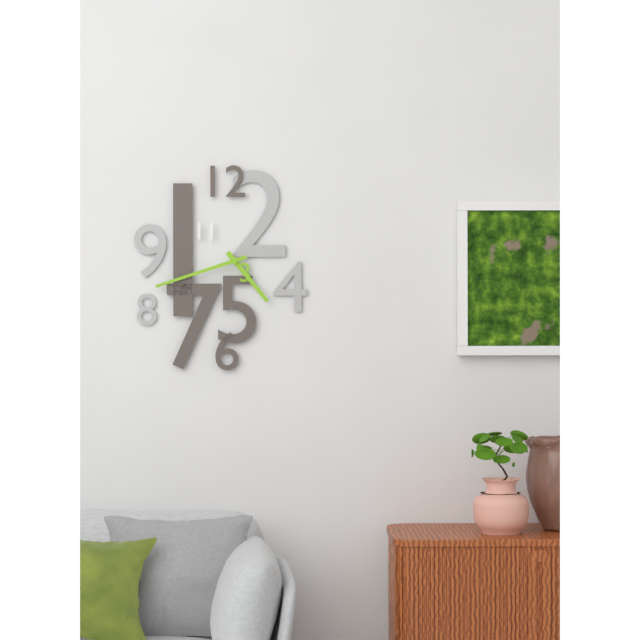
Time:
h=4 m=42
